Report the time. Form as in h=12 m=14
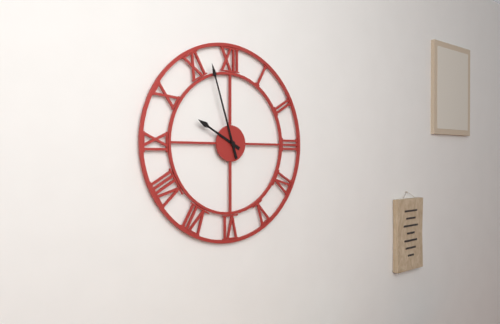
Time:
h=9 m=57
